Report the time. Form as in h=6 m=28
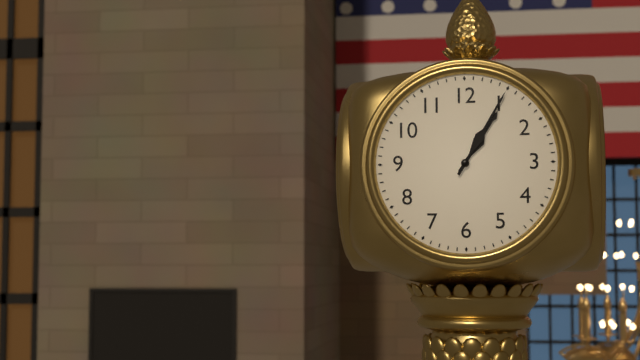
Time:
h=1 m=5
